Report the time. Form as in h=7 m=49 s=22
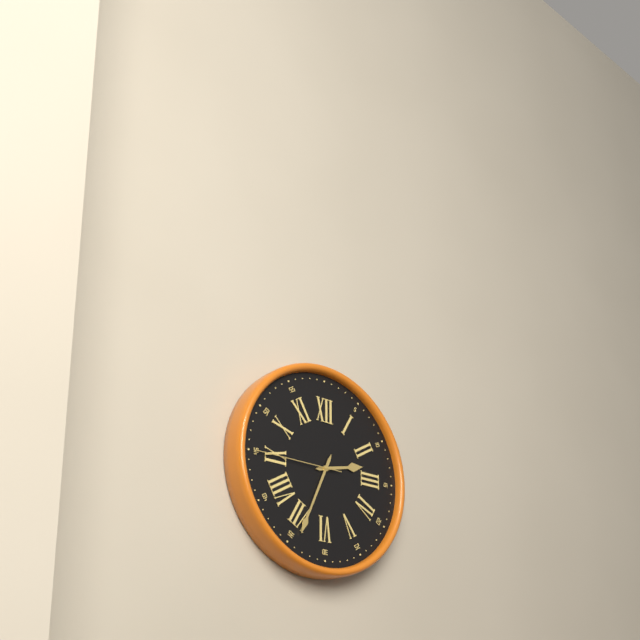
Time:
h=2 m=34 s=45
